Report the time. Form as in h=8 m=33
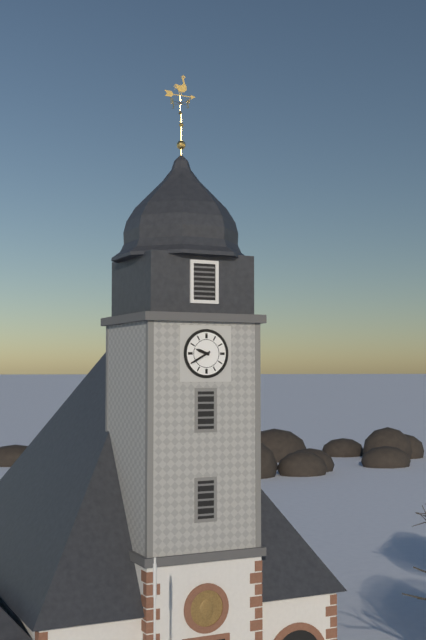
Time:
h=9 m=40
